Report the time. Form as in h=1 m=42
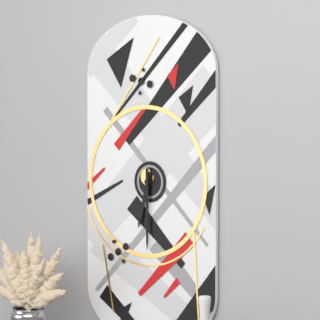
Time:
h=6 m=30
